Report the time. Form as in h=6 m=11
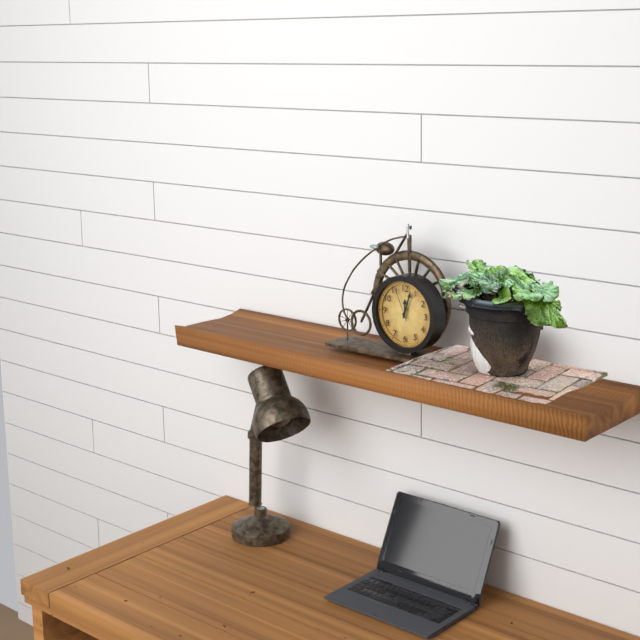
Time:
h=12 m=3
